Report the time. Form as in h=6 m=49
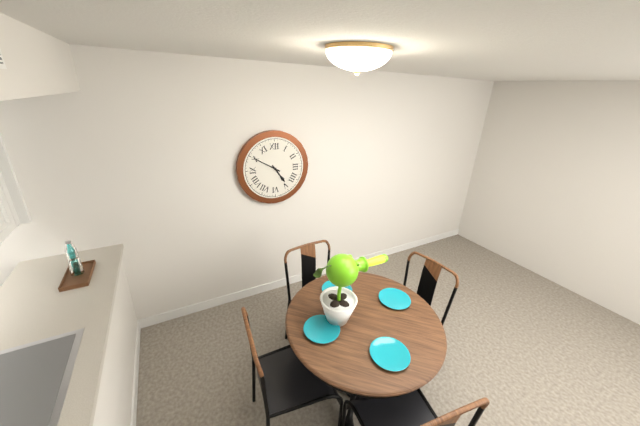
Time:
h=4 m=50
